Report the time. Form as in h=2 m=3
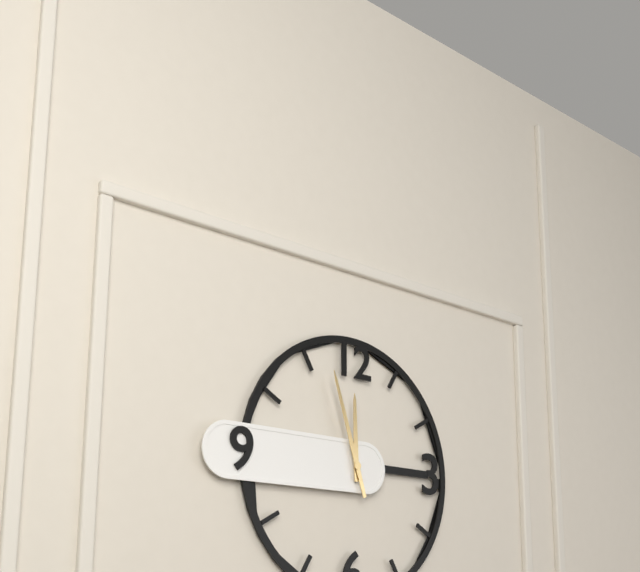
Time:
h=11 m=57
